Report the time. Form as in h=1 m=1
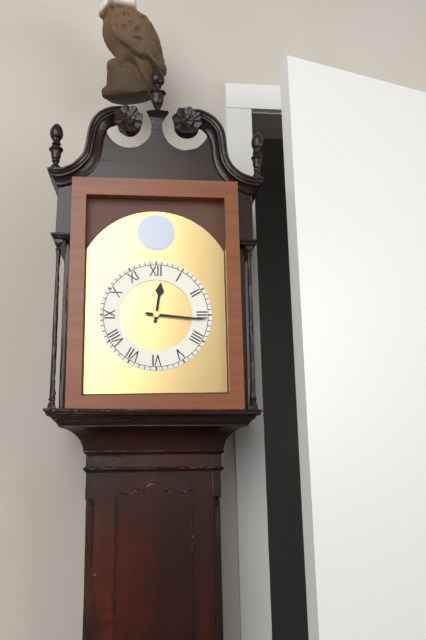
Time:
h=12 m=16
